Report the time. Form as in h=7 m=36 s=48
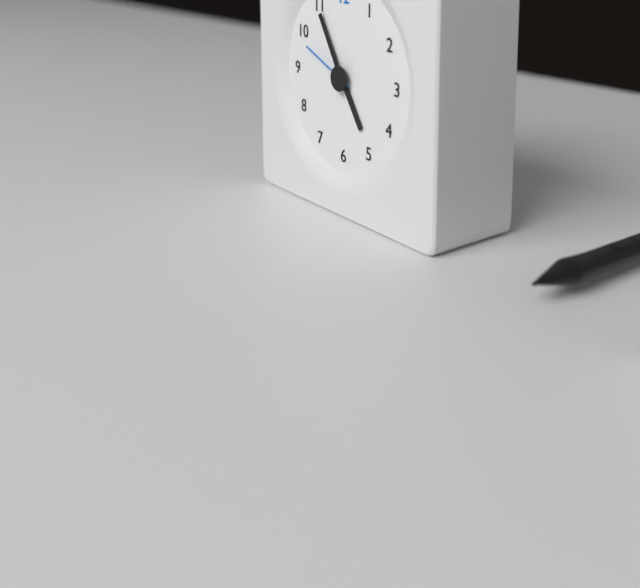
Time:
h=4 m=55 s=49
